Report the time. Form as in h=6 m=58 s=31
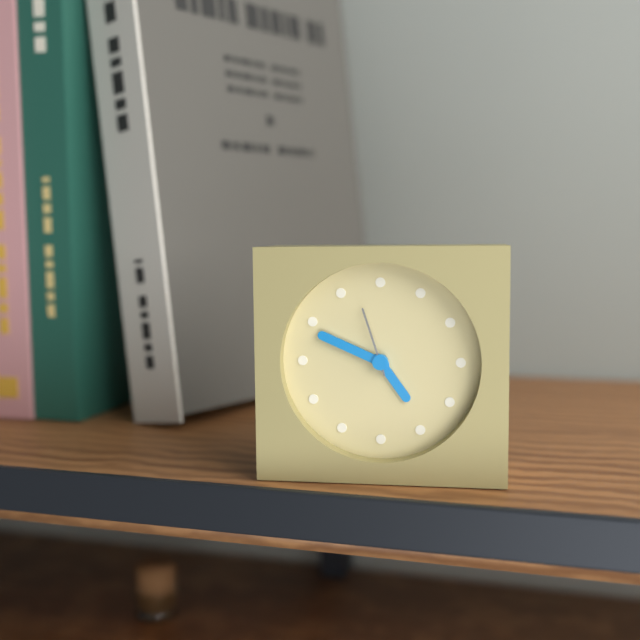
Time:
h=4 m=49 s=57
